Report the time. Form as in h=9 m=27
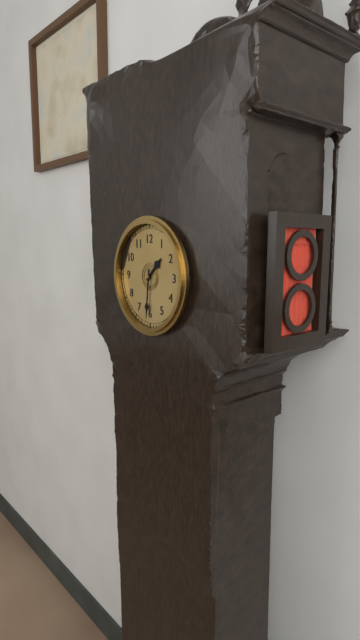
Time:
h=1 m=31
